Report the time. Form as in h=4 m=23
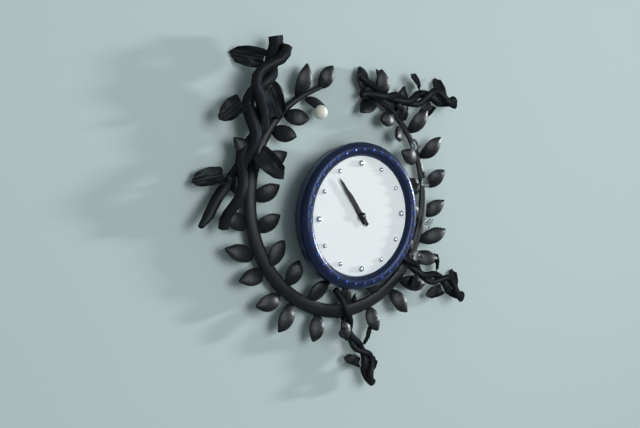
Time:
h=10 m=54
